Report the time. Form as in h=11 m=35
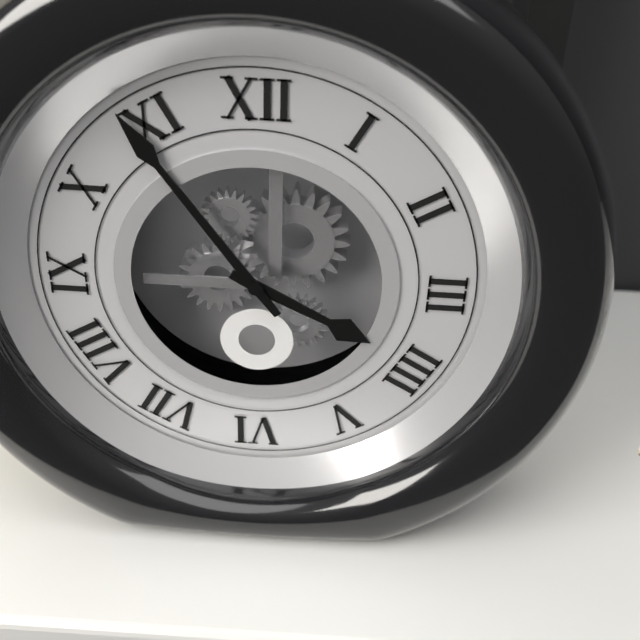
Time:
h=3 m=54
